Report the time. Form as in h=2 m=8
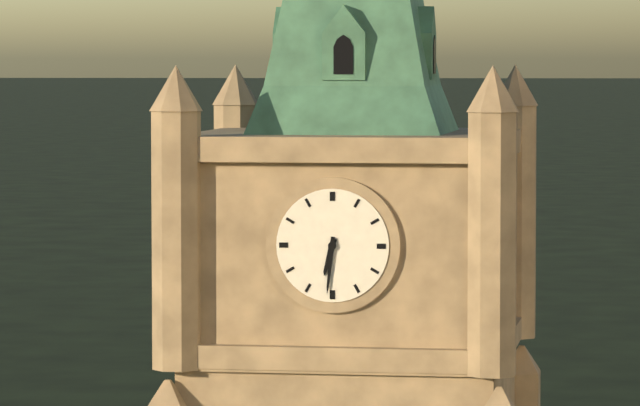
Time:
h=6 m=31
